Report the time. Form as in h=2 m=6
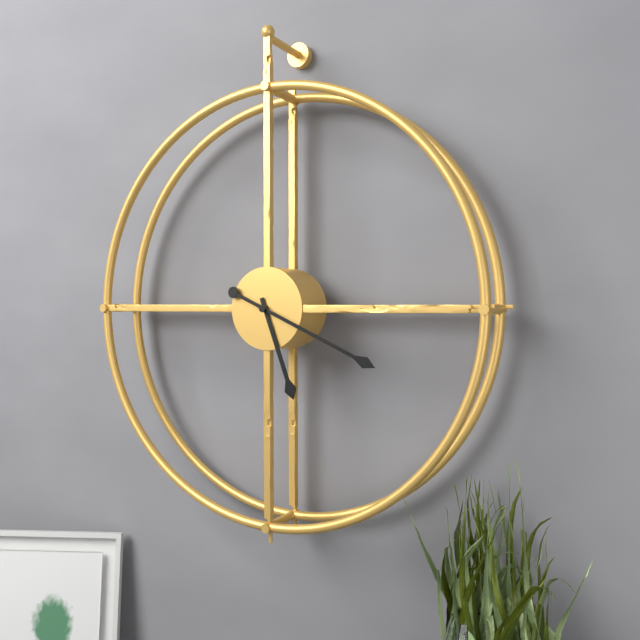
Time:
h=5 m=19
